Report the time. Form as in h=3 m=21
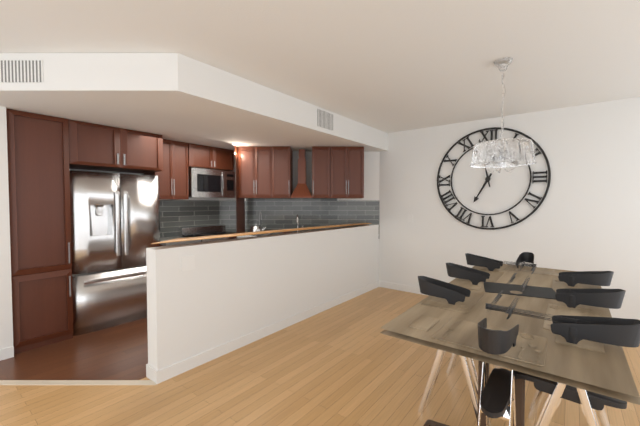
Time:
h=6 m=58
